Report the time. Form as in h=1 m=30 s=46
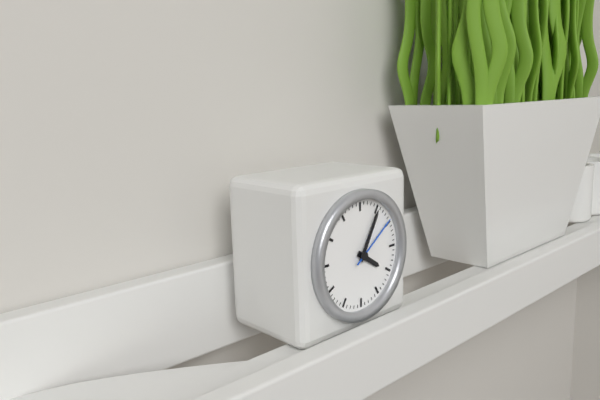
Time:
h=4 m=5 s=9
